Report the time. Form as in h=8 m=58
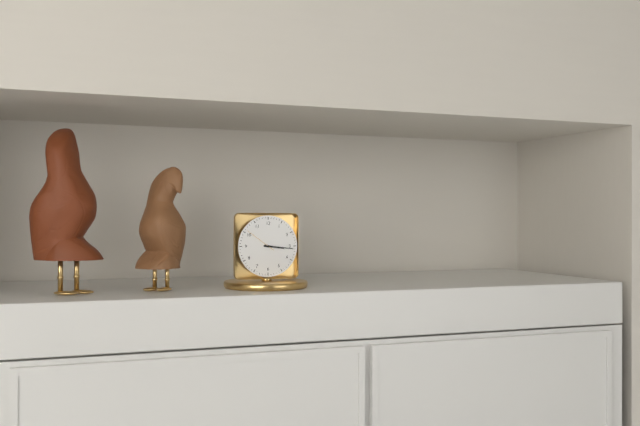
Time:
h=3 m=16
